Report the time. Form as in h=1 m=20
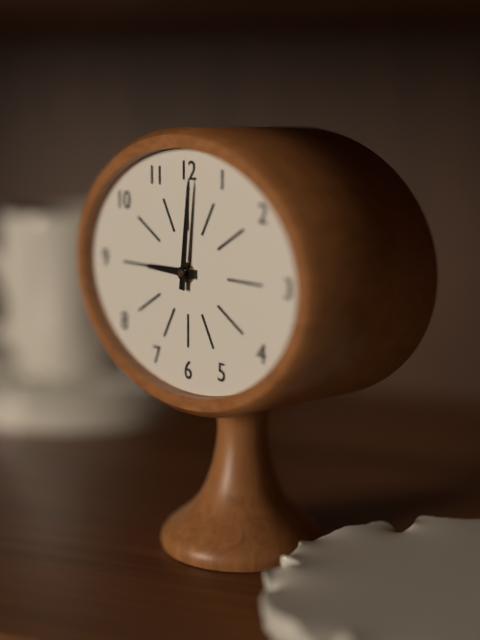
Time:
h=9 m=1
